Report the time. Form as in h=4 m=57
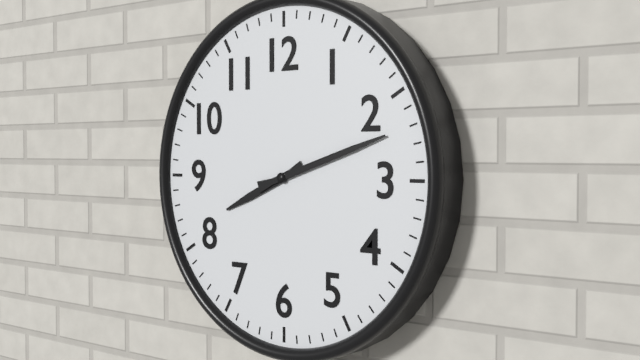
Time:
h=8 m=12
